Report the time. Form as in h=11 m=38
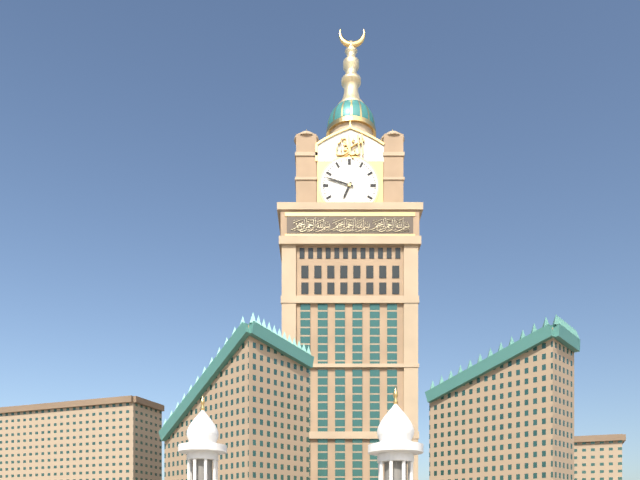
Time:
h=6 m=48
